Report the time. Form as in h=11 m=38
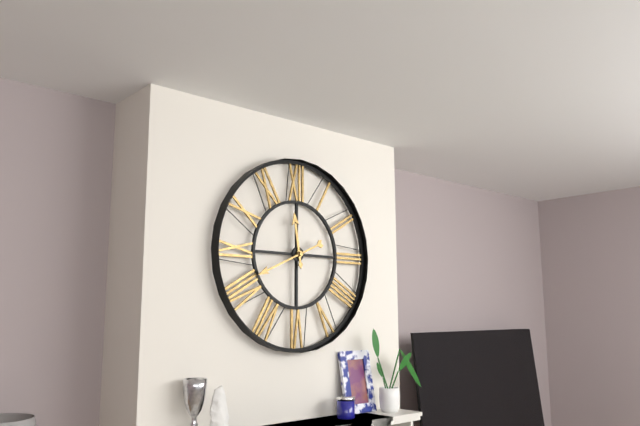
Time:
h=11 m=41
